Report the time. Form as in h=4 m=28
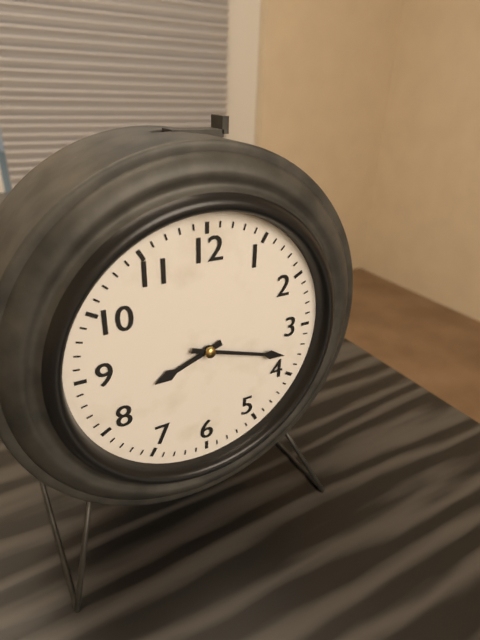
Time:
h=8 m=18
